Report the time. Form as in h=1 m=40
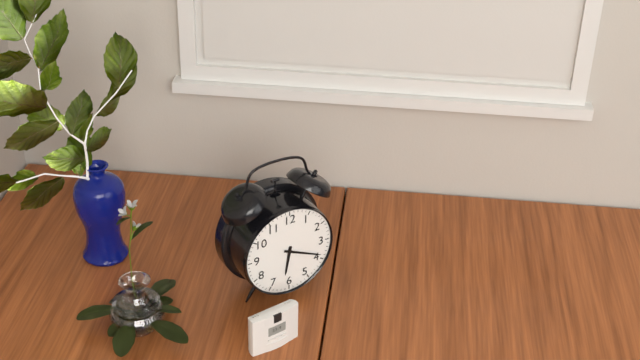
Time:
h=6 m=19
